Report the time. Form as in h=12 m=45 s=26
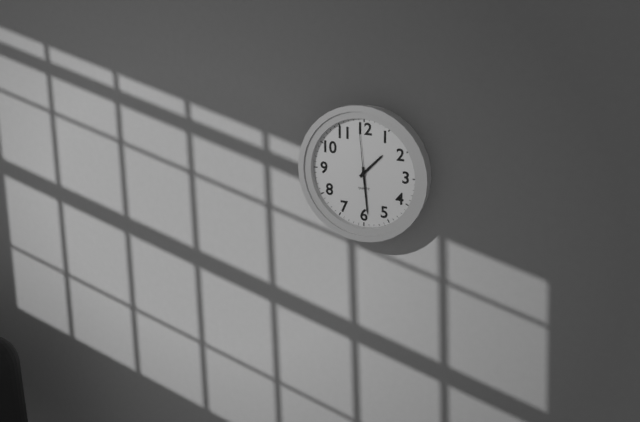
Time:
h=1 m=29 s=59
